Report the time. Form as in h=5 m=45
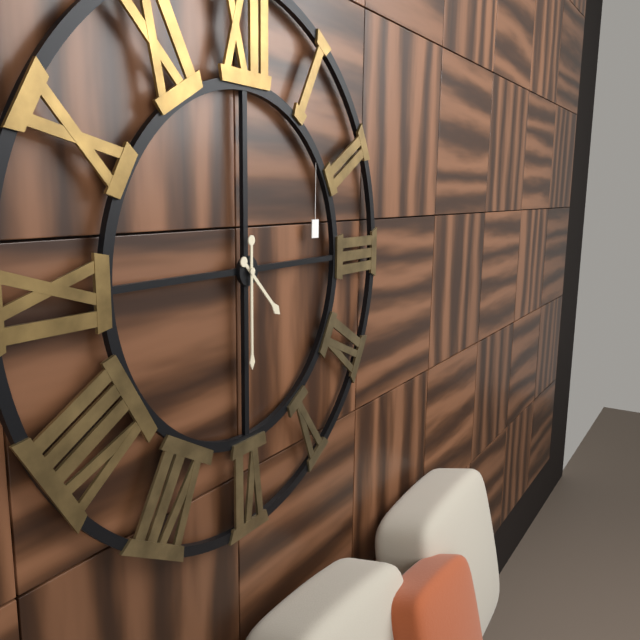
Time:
h=4 m=30
